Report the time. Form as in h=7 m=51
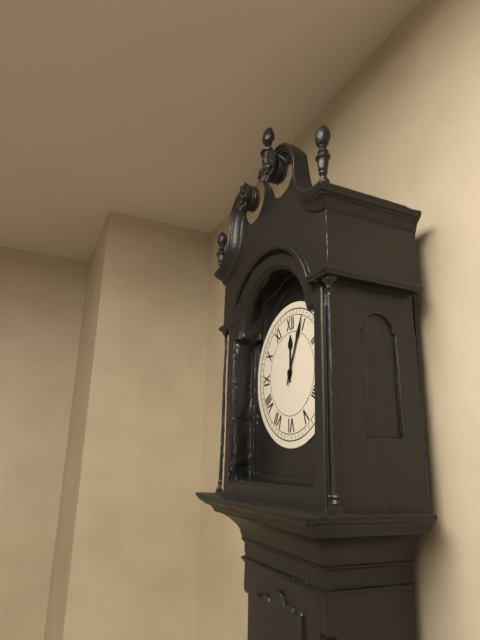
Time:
h=12 m=4
